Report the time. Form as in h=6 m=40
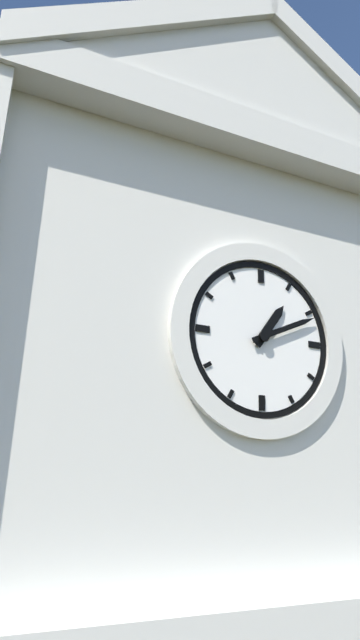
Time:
h=1 m=11
